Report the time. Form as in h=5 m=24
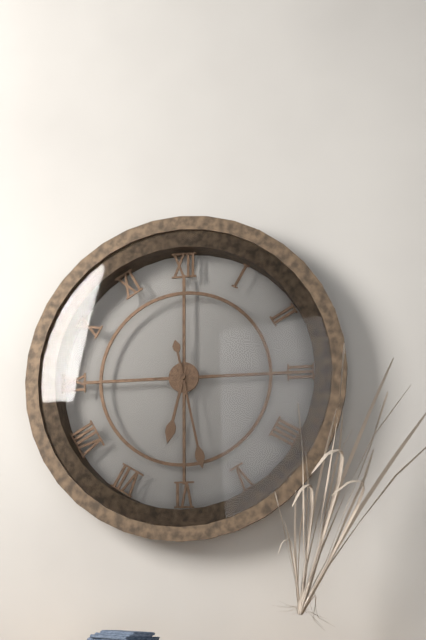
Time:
h=6 m=28
